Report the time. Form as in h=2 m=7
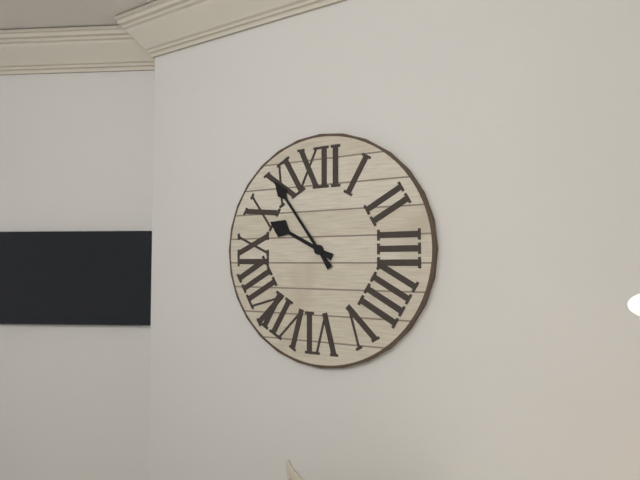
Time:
h=9 m=54
